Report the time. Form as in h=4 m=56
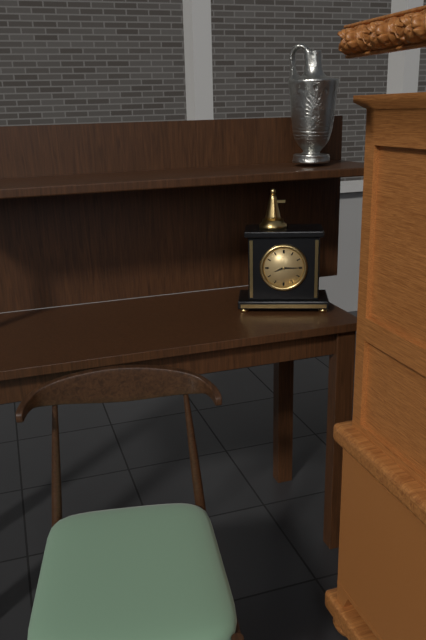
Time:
h=8 m=15
